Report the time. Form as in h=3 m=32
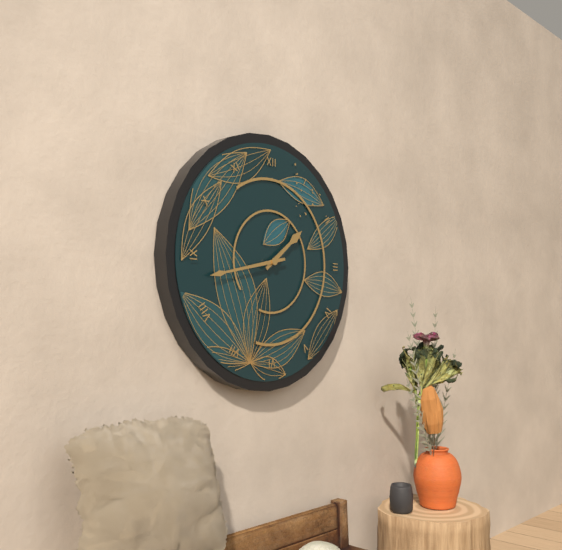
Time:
h=1 m=43
